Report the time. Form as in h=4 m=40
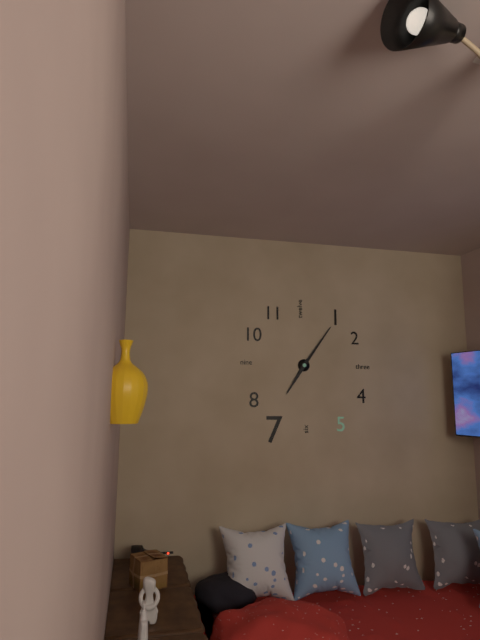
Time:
h=7 m=6
